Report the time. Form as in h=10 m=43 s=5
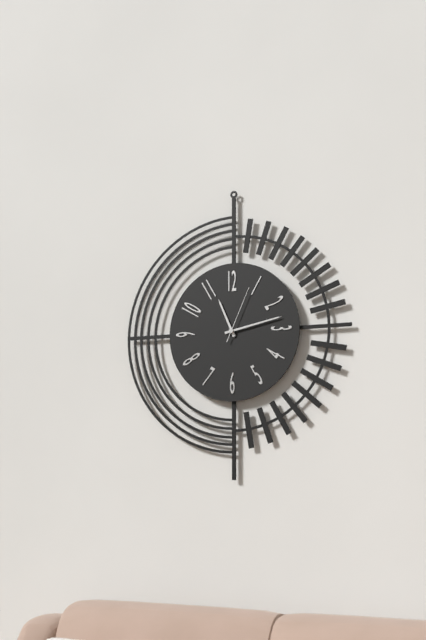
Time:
h=11 m=13 s=4
